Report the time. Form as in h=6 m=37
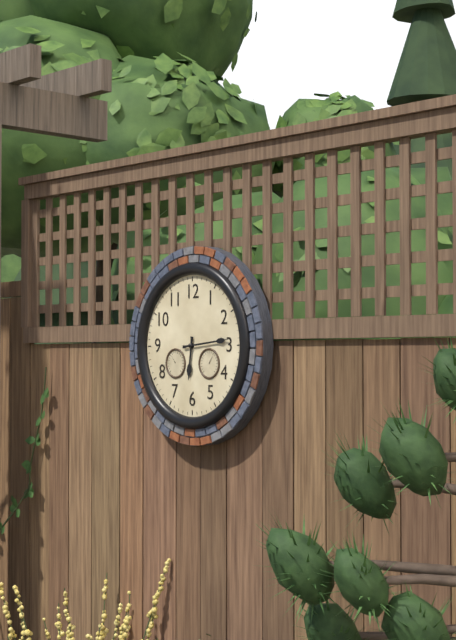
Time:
h=6 m=14
